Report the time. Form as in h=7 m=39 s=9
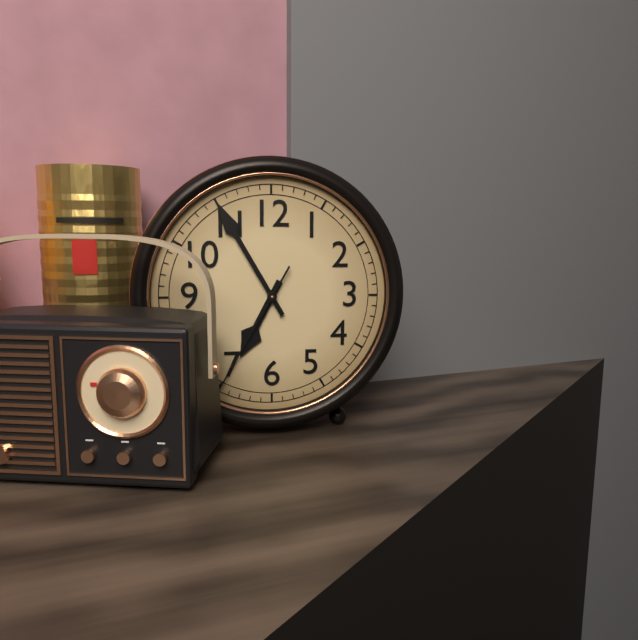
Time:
h=6 m=55 s=35
